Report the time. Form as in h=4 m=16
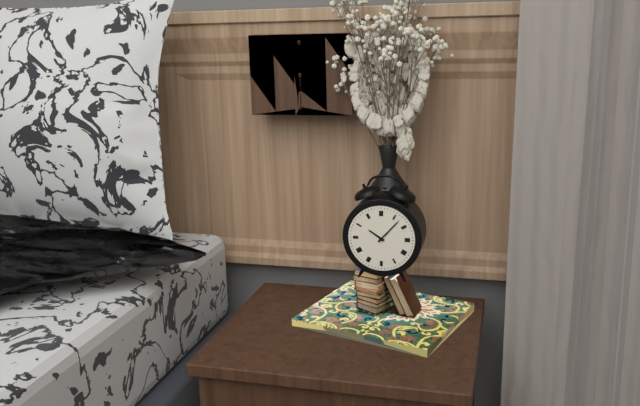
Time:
h=10 m=7
